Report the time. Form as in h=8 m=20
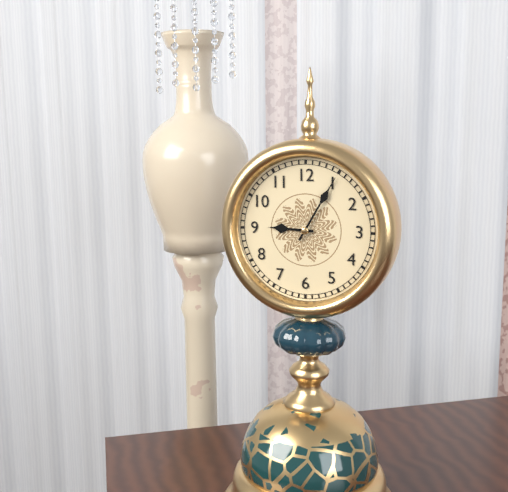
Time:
h=9 m=5
